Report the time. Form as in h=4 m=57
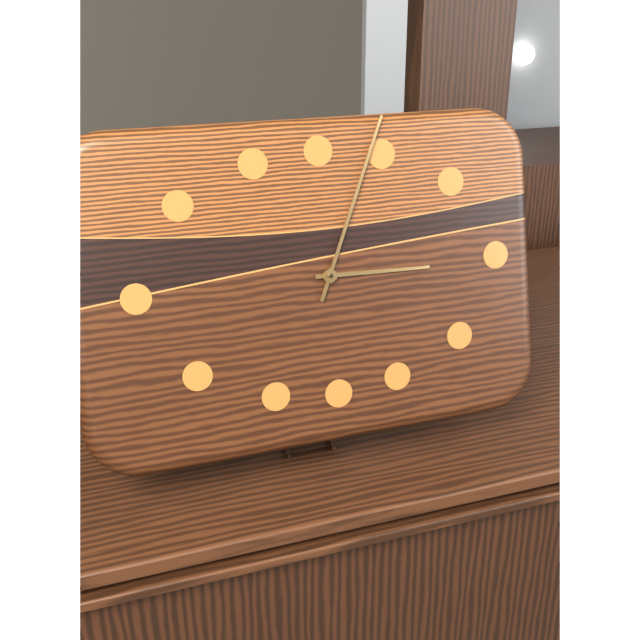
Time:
h=3 m=4
